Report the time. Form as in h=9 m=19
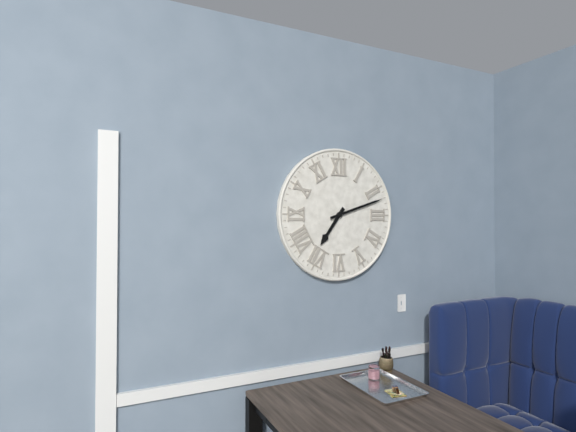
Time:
h=7 m=12
